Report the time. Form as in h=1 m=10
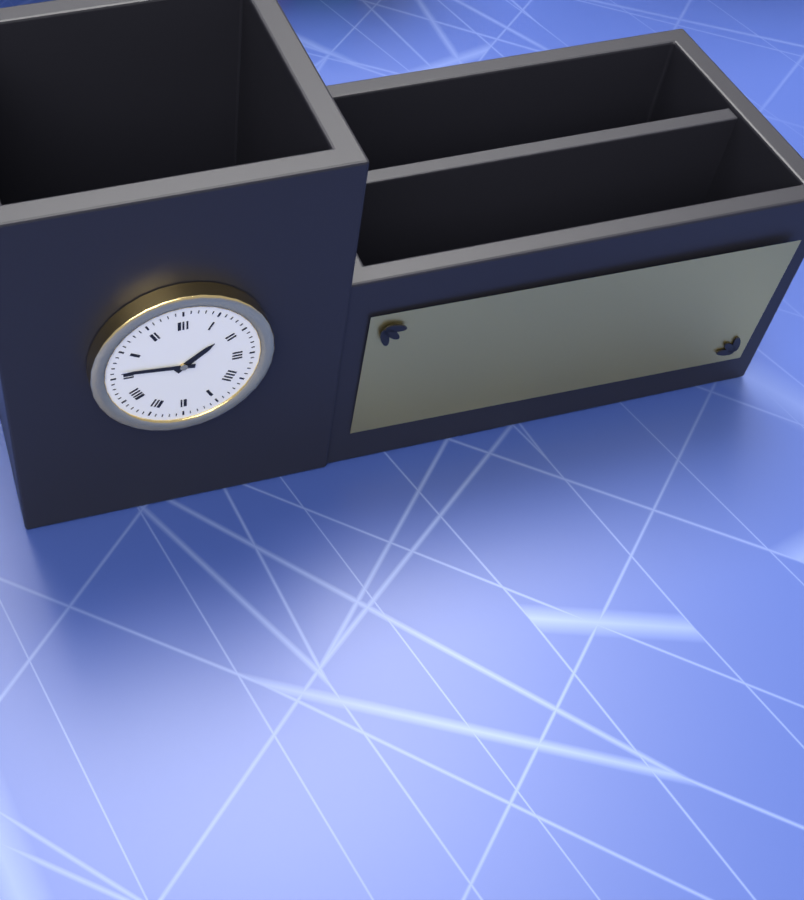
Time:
h=1 m=46
